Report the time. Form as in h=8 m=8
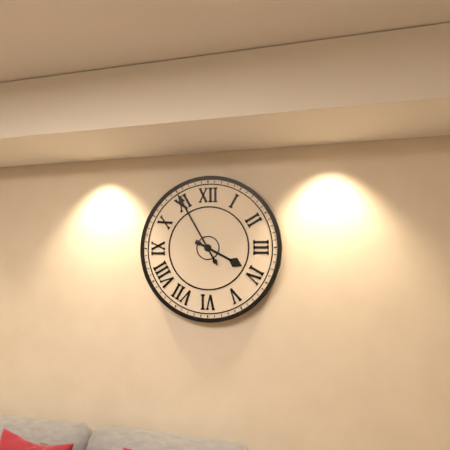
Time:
h=3 m=55
